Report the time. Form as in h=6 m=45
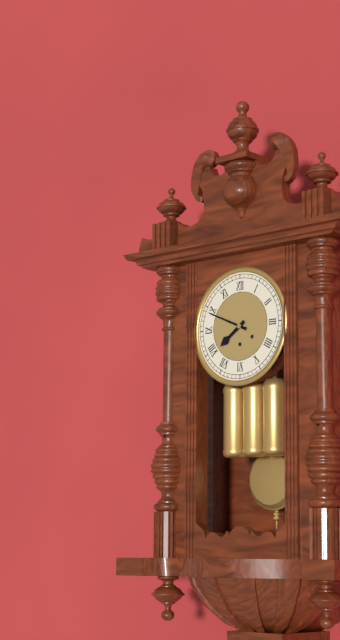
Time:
h=7 m=49
